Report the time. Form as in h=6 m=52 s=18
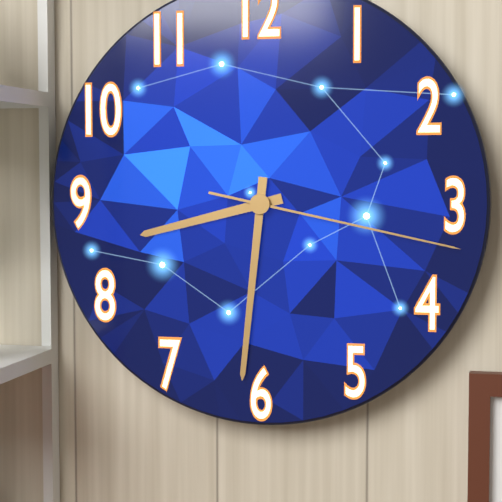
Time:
h=8 m=31 s=17
